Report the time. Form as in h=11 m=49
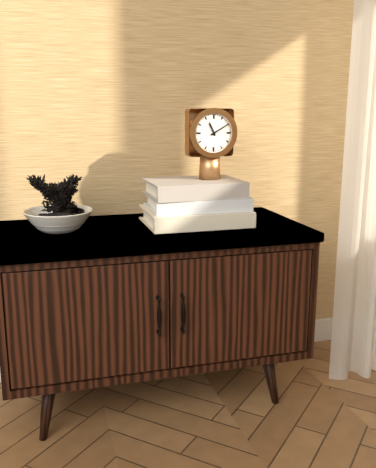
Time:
h=11 m=10
